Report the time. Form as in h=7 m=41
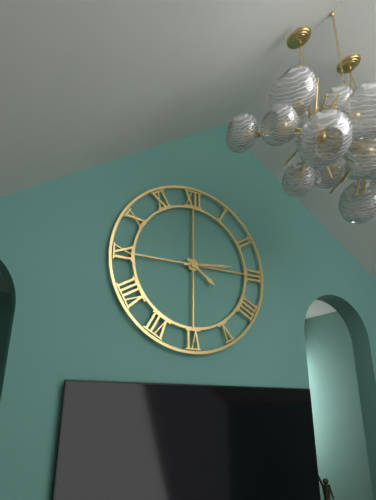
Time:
h=4 m=14
